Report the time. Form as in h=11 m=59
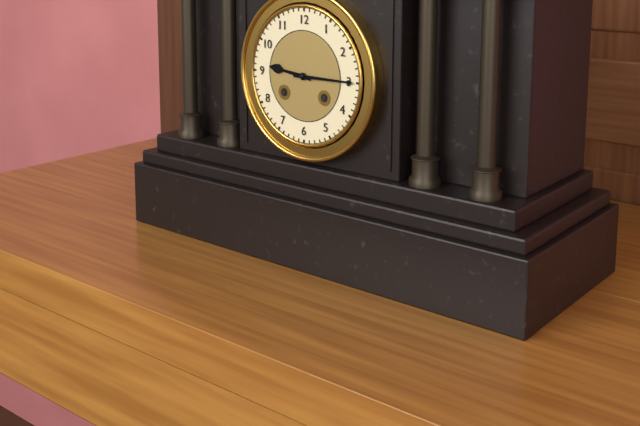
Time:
h=9 m=15
